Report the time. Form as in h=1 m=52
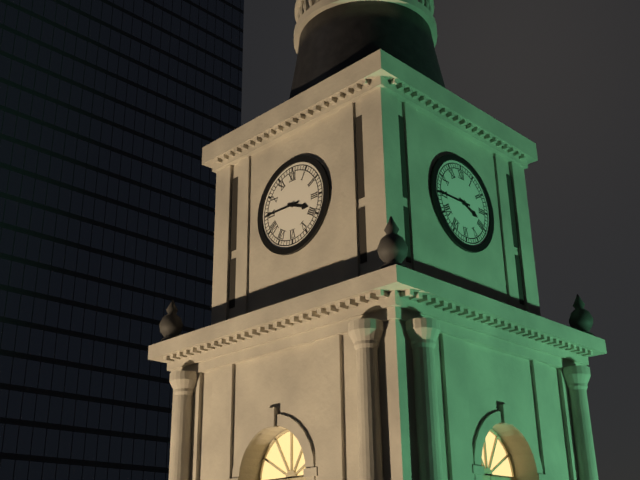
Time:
h=3 m=45
